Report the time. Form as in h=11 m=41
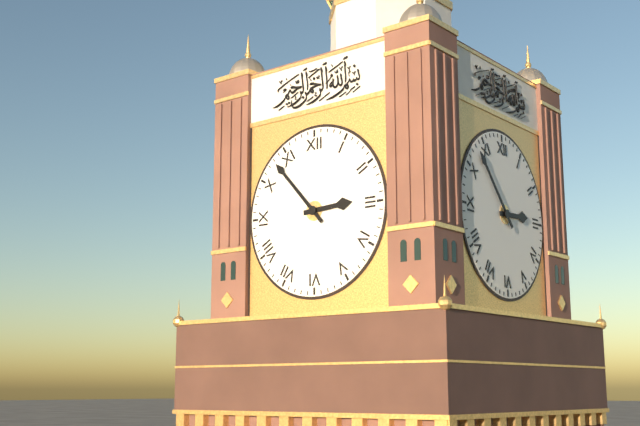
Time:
h=2 m=53
